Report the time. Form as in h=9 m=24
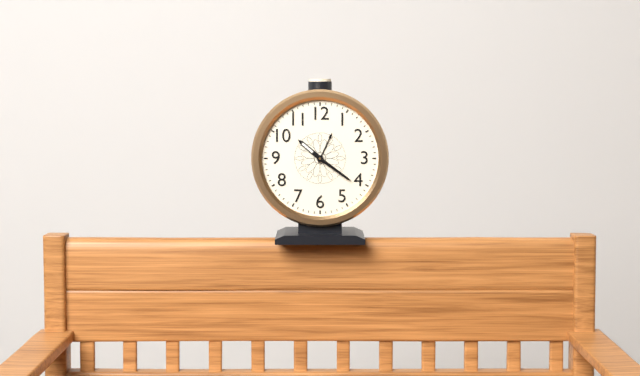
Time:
h=10 m=21
